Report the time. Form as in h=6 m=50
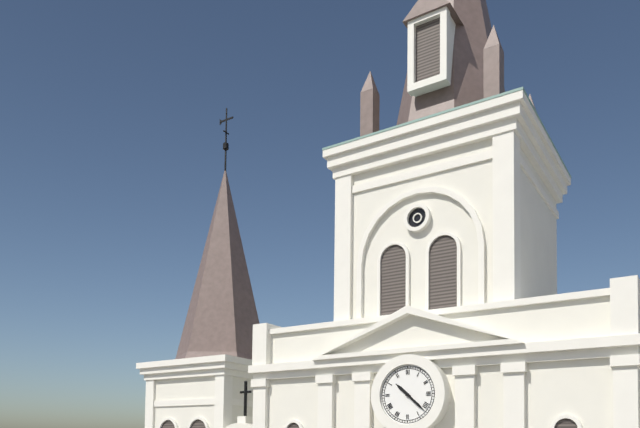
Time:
h=10 m=22
